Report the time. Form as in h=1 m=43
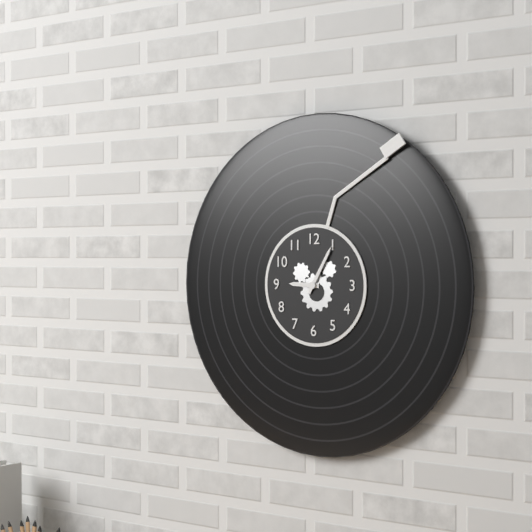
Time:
h=9 m=5
